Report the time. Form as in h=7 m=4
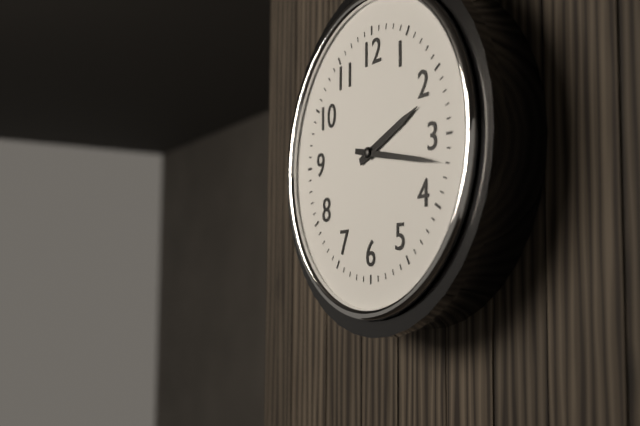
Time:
h=2 m=17
